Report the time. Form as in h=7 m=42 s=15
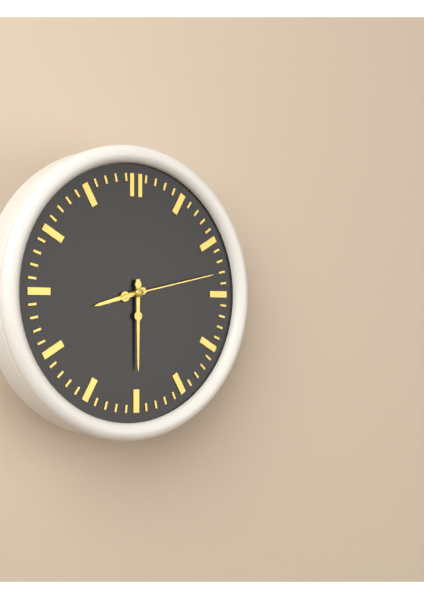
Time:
h=8 m=30 s=13
